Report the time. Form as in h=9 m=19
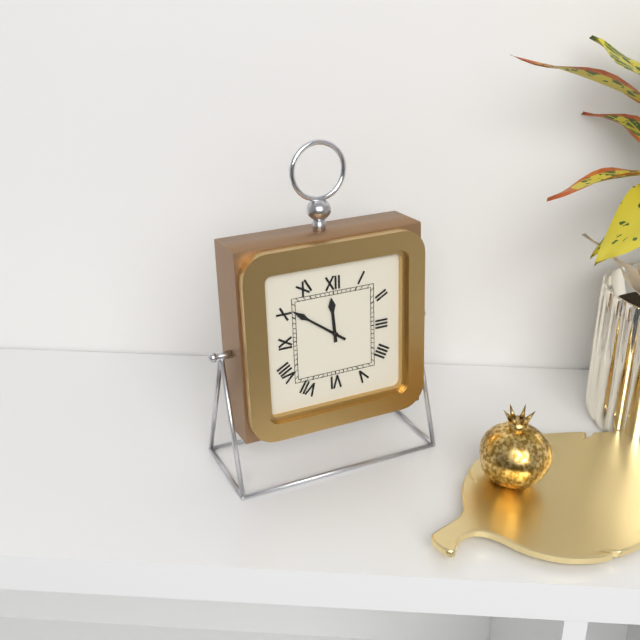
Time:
h=11 m=51
